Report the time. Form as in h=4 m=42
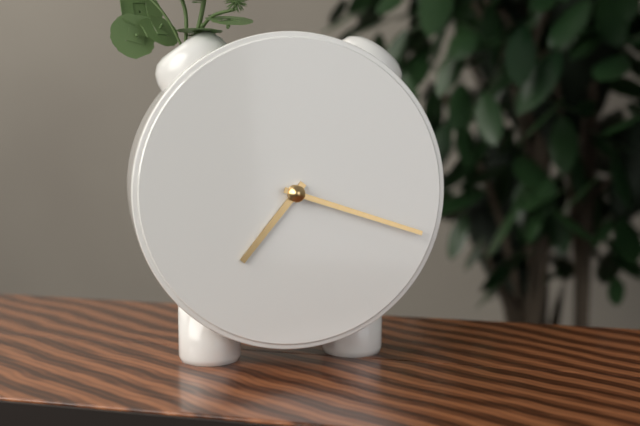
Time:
h=7 m=18
